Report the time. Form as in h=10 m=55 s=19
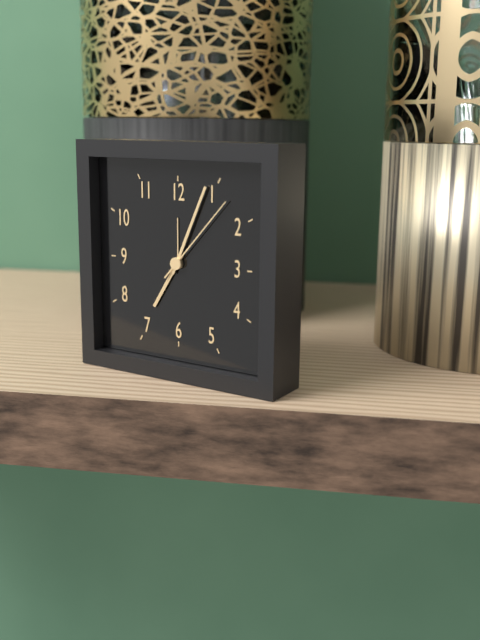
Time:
h=7 m=4 s=7
